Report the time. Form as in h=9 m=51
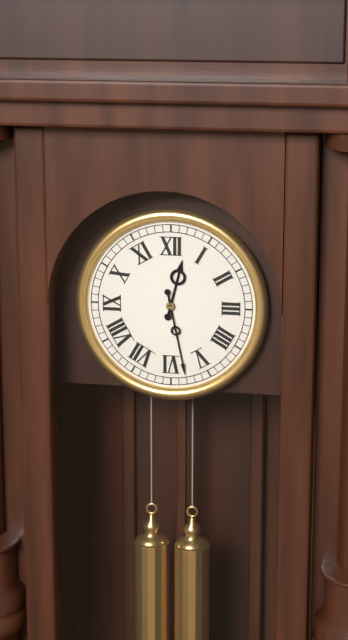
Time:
h=12 m=28
